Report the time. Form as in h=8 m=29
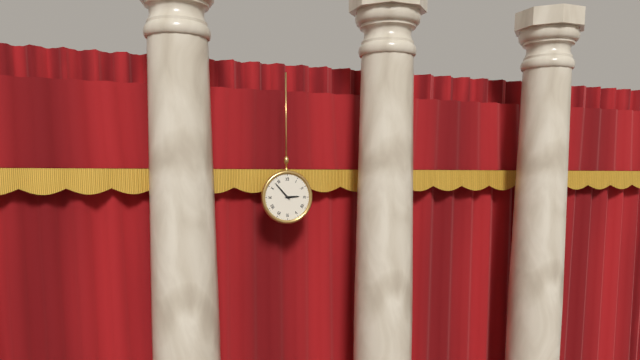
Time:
h=2 m=53
